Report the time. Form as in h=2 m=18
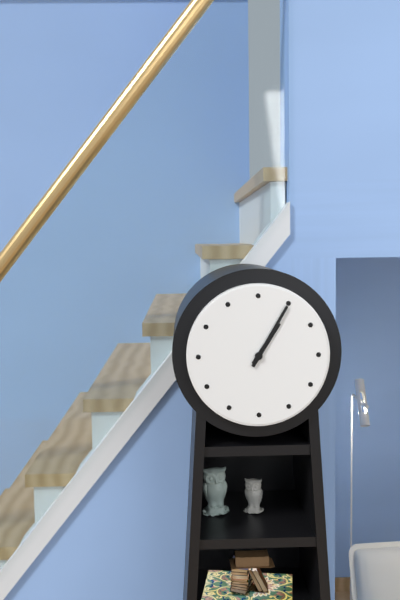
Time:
h=1 m=5
